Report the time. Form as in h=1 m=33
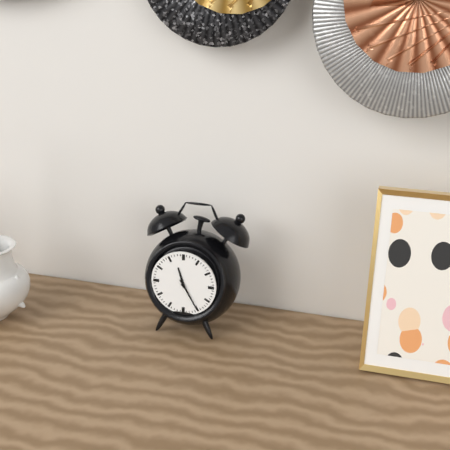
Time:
h=11 m=25
